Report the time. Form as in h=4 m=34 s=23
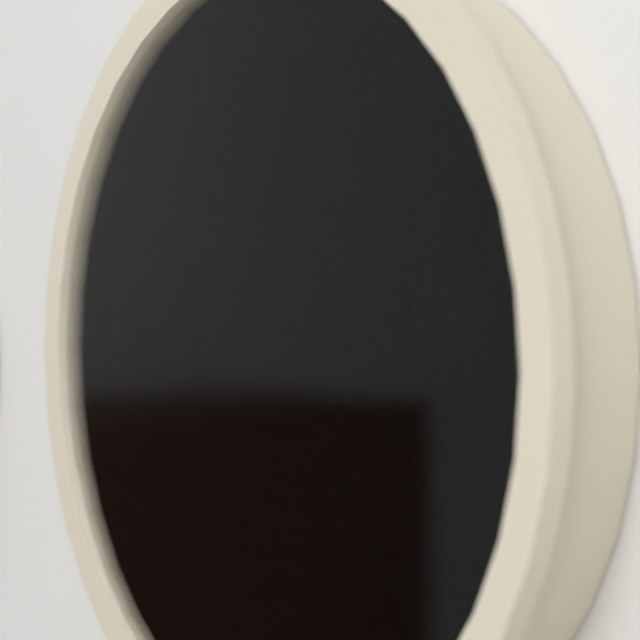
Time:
h=10 m=34 s=13
